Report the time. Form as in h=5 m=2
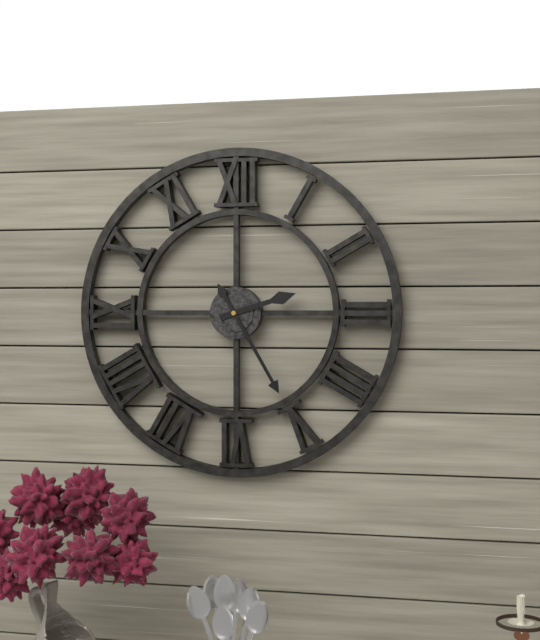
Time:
h=2 m=25
